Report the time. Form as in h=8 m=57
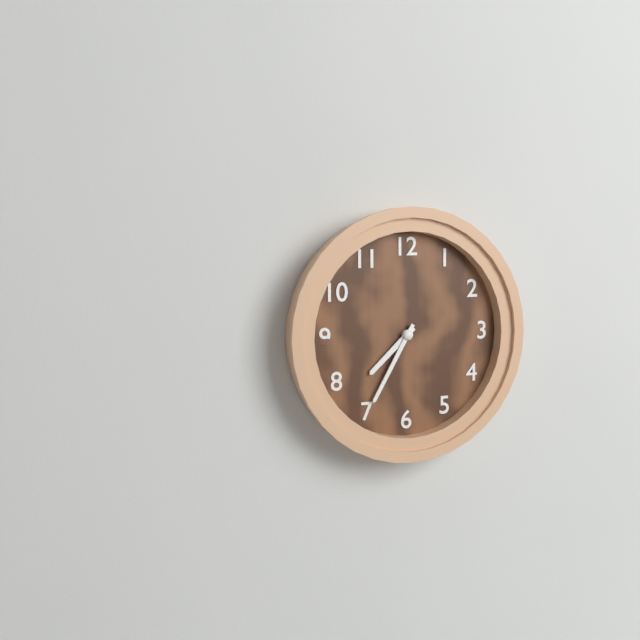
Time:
h=7 m=35
